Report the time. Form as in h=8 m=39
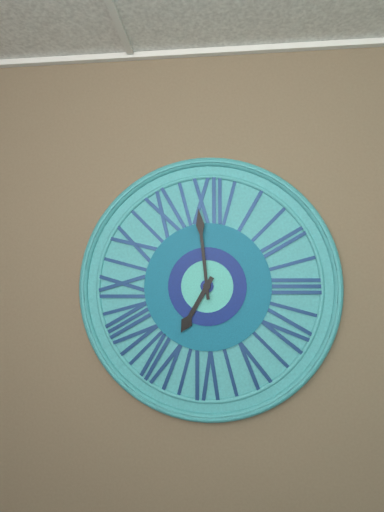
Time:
h=6 m=59
